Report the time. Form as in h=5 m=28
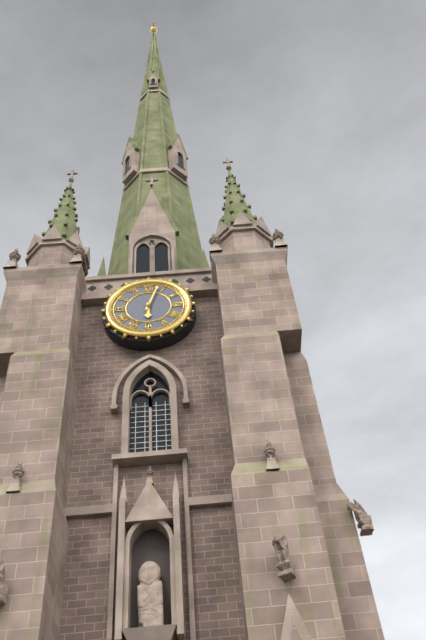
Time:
h=6 m=3
